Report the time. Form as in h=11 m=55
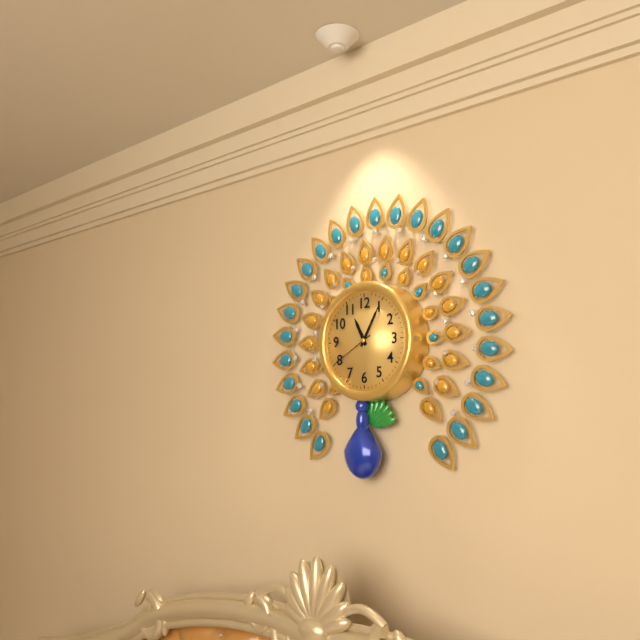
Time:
h=11 m=5
